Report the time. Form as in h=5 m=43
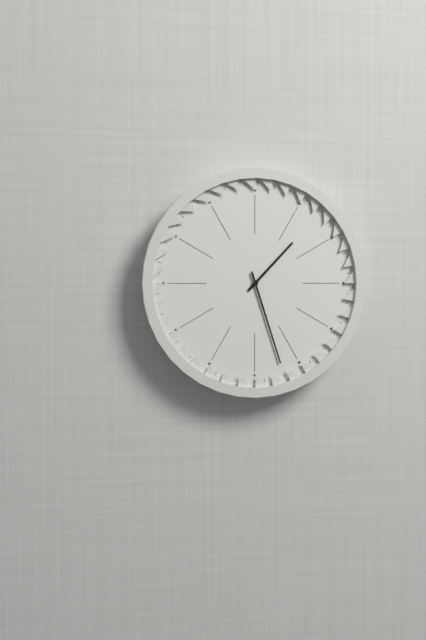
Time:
h=1 m=27
